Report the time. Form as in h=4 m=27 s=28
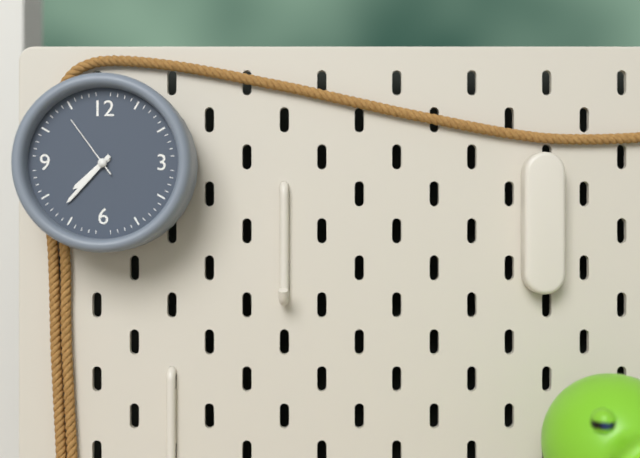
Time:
h=7 m=37 s=54
